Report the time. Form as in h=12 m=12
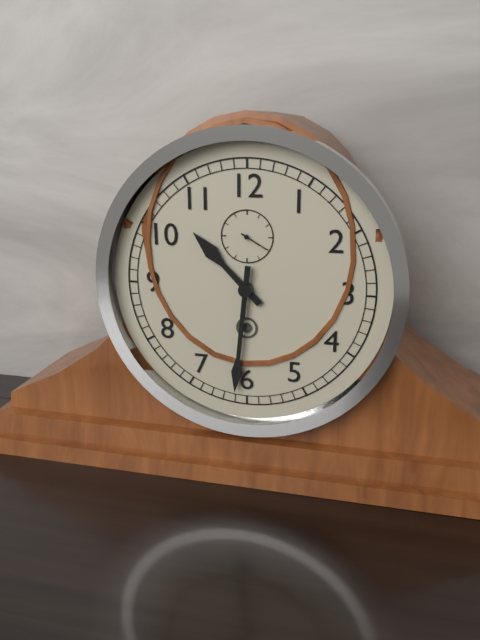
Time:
h=10 m=31
